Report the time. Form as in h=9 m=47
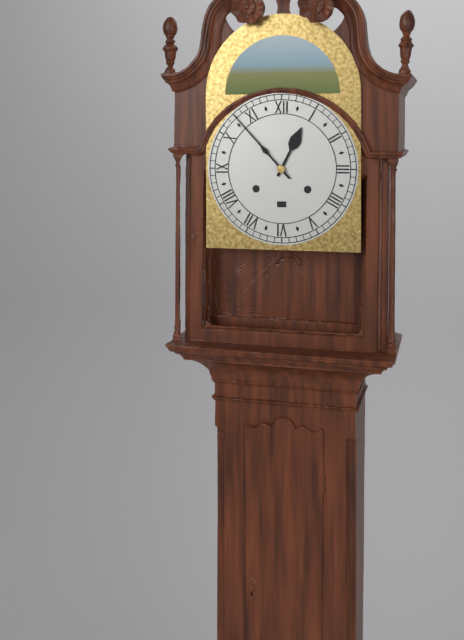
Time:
h=12 m=53
